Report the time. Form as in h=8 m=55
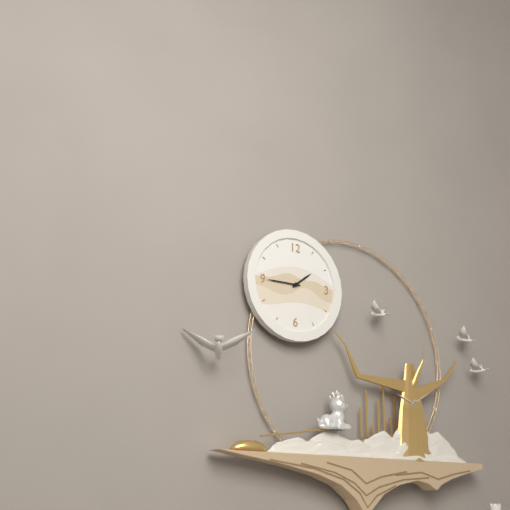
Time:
h=1 m=45
